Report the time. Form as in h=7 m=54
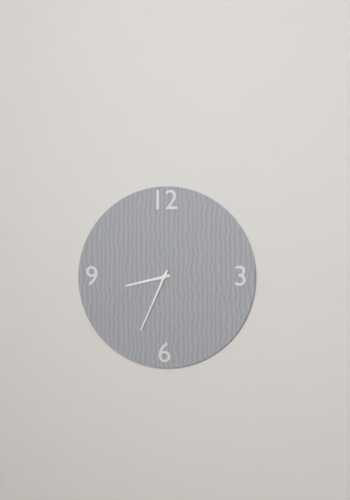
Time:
h=8 m=34
